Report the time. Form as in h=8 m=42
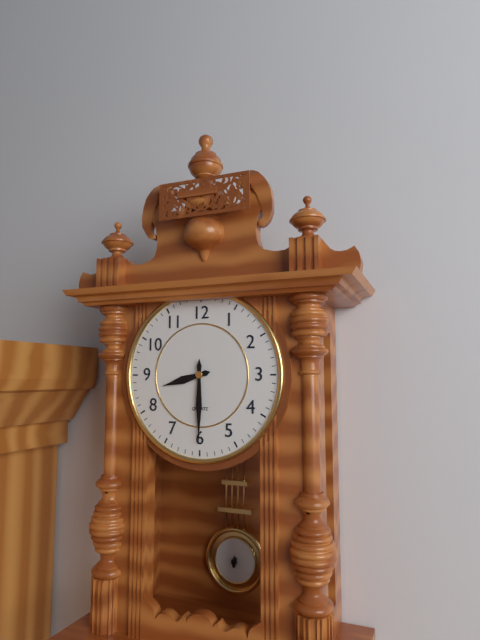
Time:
h=8 m=30
